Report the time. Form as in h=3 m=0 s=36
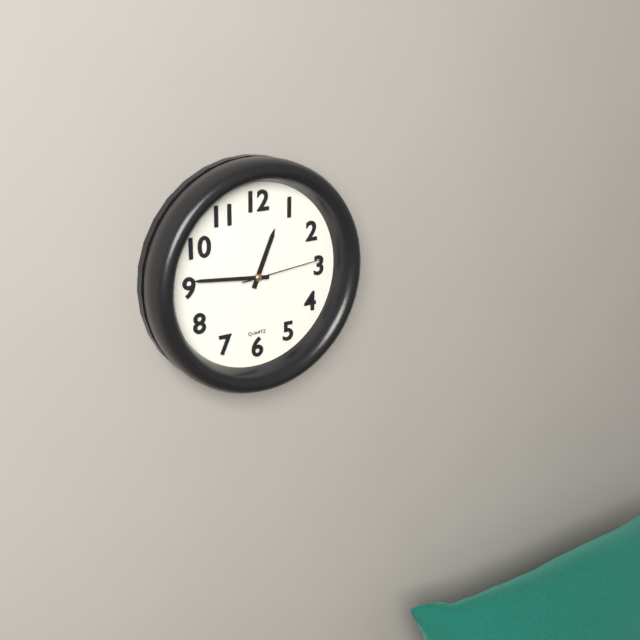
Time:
h=12 m=46 s=14
